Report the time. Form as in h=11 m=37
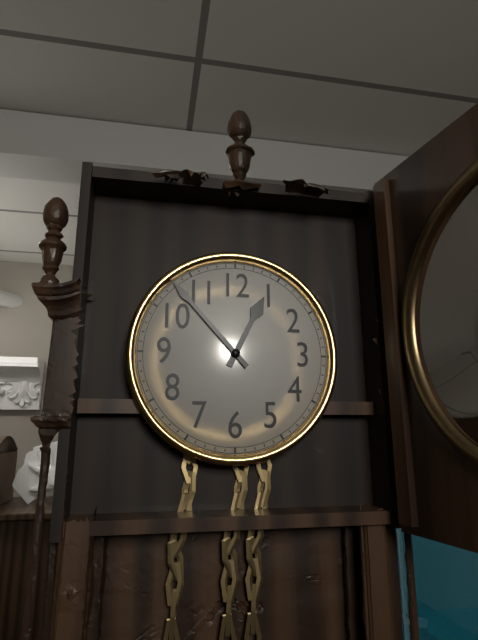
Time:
h=12 m=53
